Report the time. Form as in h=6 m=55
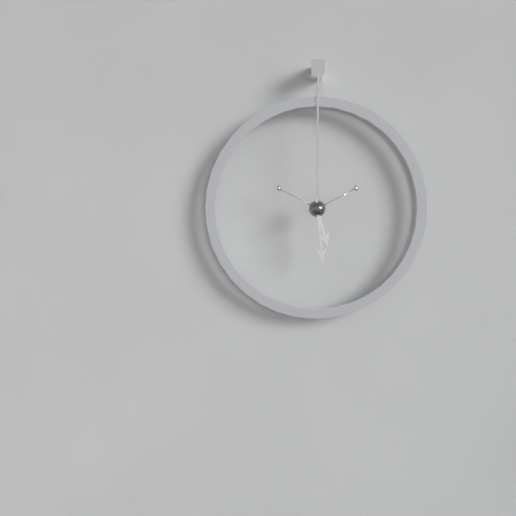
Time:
h=5 m=29
